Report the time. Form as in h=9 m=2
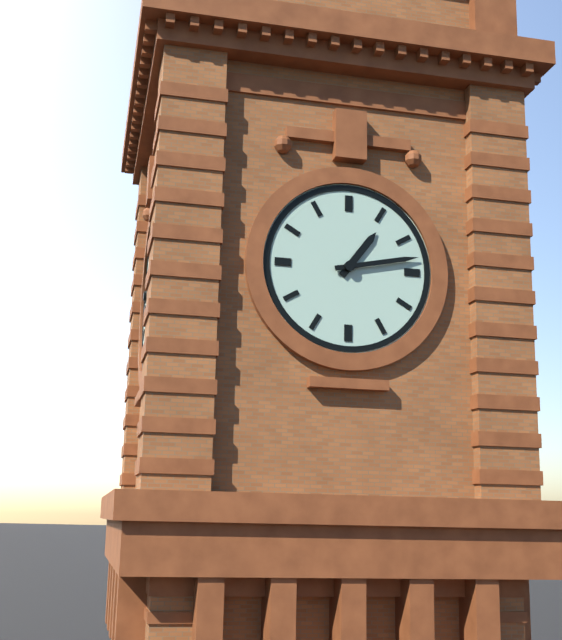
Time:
h=1 m=13
